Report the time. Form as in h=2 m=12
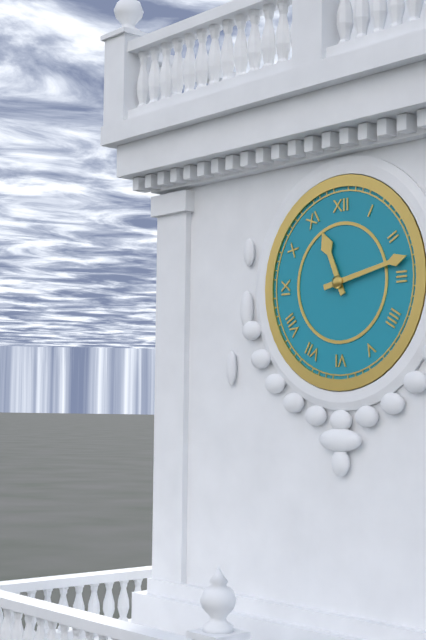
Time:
h=11 m=13
